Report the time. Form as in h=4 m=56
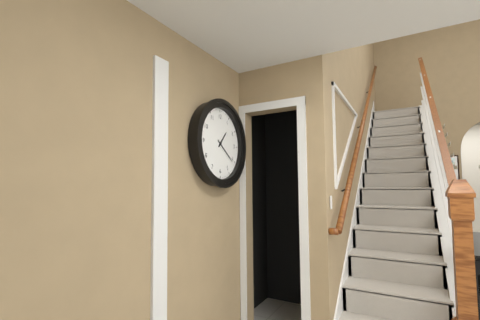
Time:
h=1 m=21
